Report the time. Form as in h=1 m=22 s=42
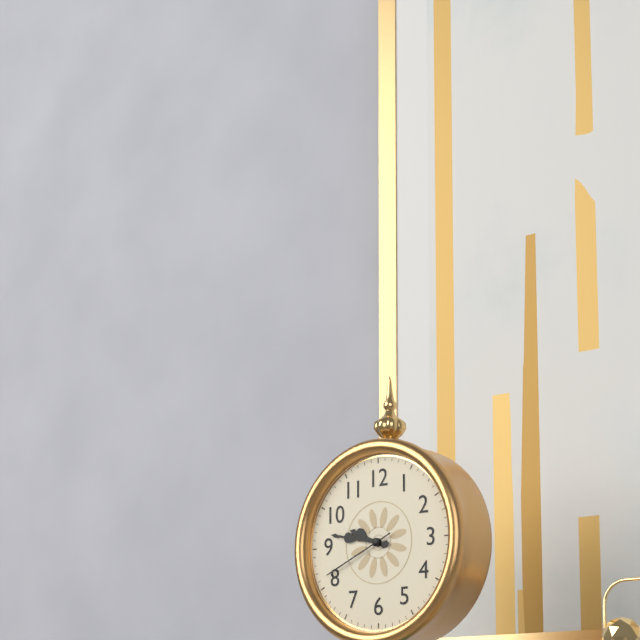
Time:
h=9 m=47 s=41
